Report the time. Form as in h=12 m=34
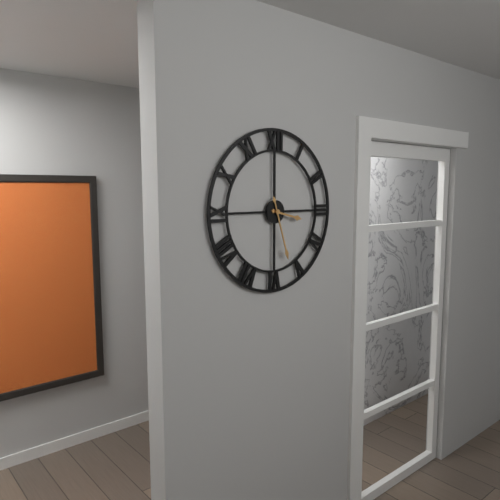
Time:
h=3 m=27
